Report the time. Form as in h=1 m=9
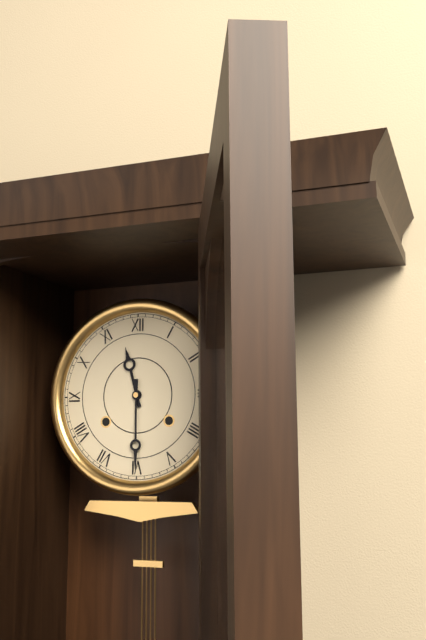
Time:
h=11 m=30
